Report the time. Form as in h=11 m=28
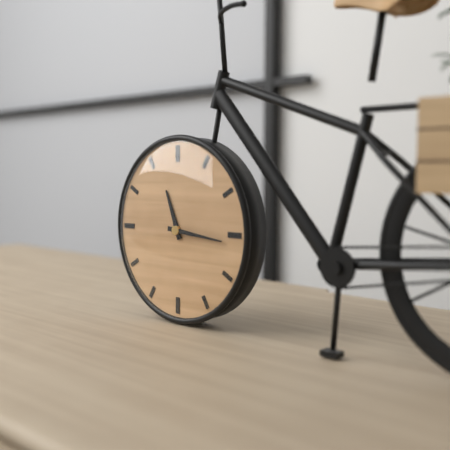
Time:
h=11 m=16
